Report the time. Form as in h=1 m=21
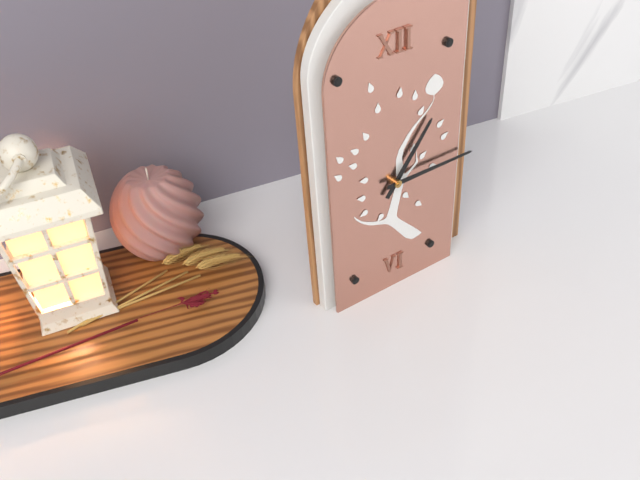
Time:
h=1 m=15
